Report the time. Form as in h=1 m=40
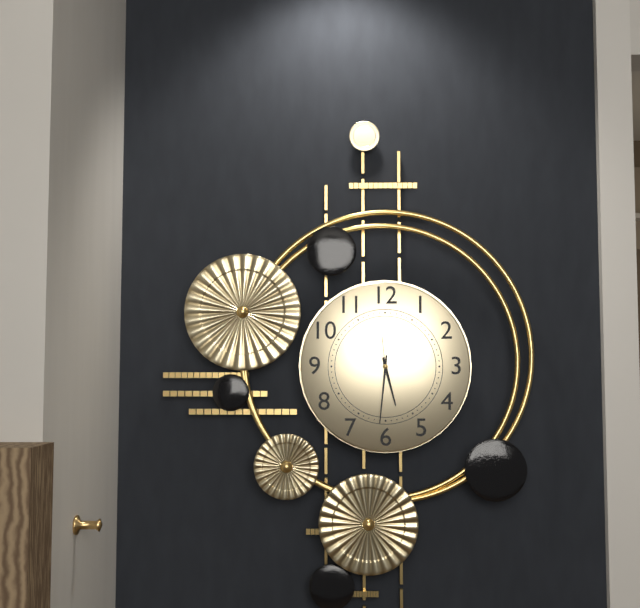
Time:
h=5 m=31
